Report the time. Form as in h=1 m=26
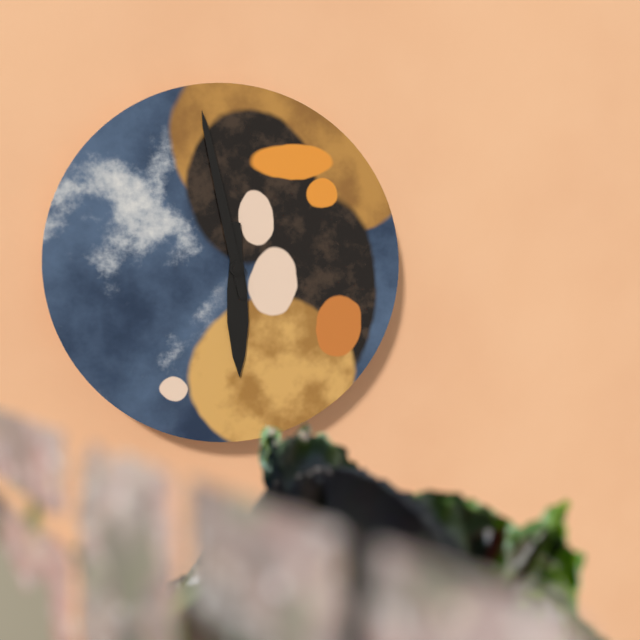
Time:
h=5 m=58
